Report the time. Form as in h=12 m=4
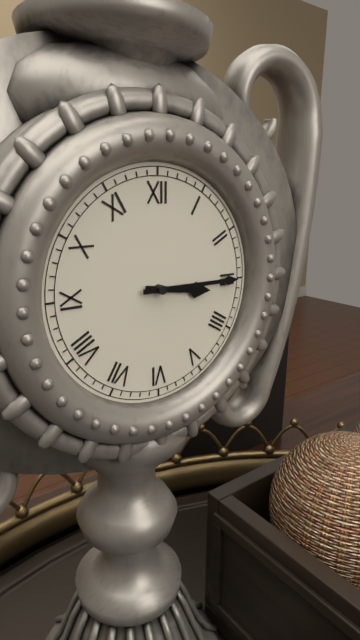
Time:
h=3 m=15
